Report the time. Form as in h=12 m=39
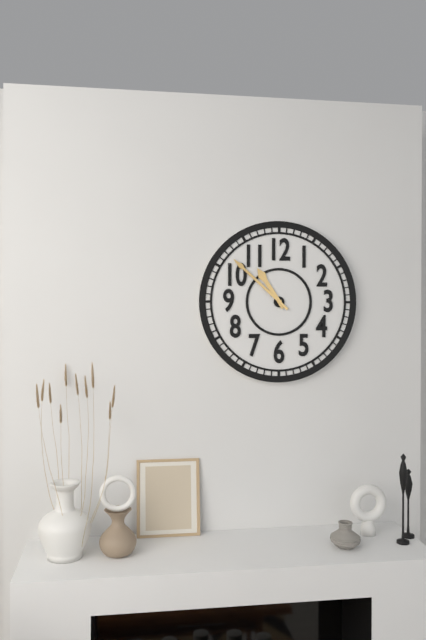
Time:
h=10 m=52
